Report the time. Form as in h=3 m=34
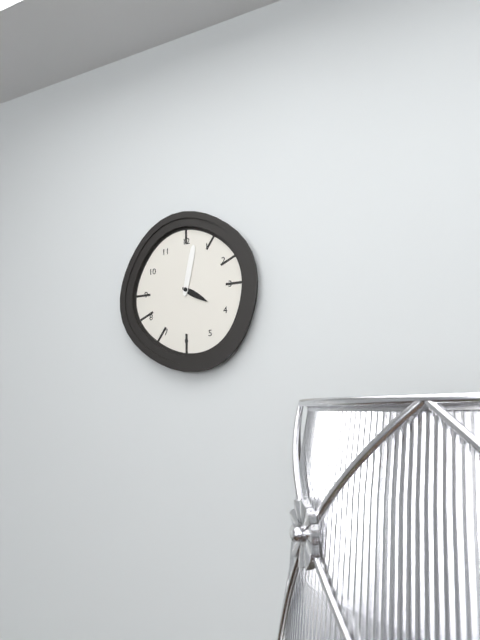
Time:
h=4 m=2
